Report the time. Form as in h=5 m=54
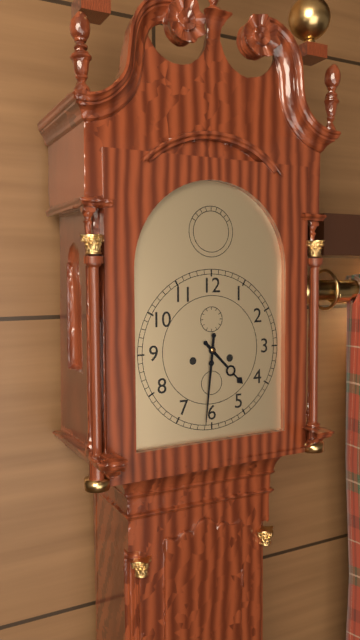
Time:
h=4 m=31
